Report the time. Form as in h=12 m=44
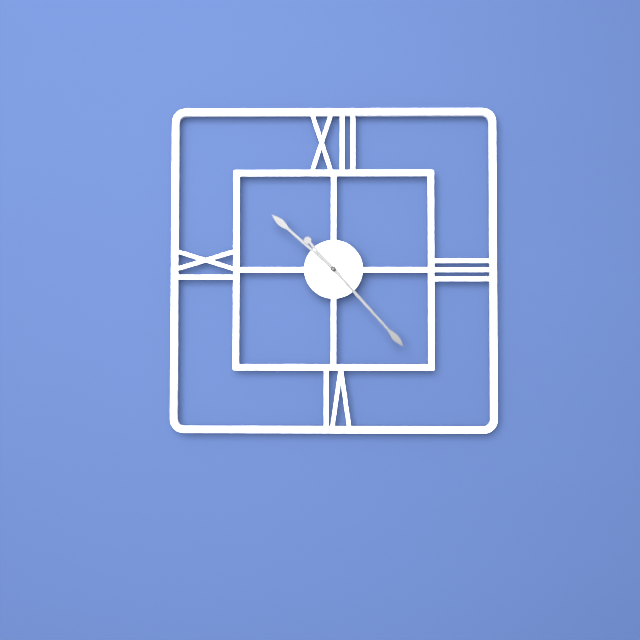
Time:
h=10 m=23
